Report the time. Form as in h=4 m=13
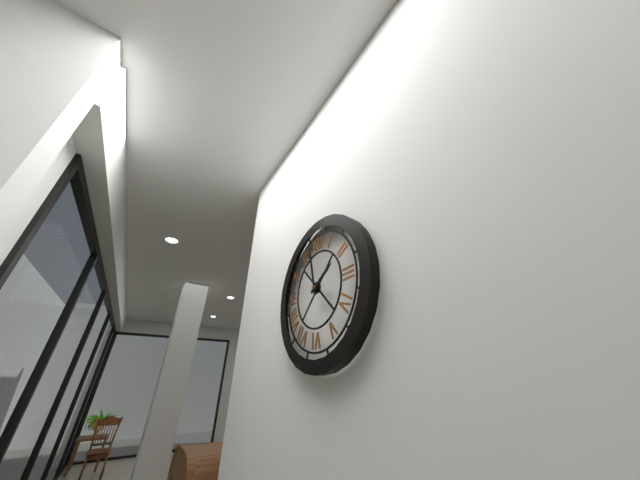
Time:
h=1 m=58
